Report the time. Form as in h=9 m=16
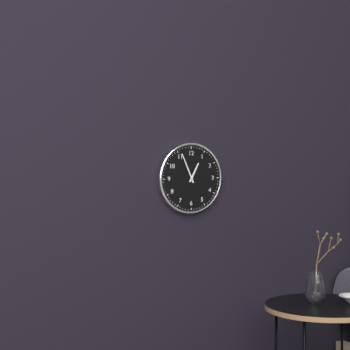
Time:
h=12 m=56
